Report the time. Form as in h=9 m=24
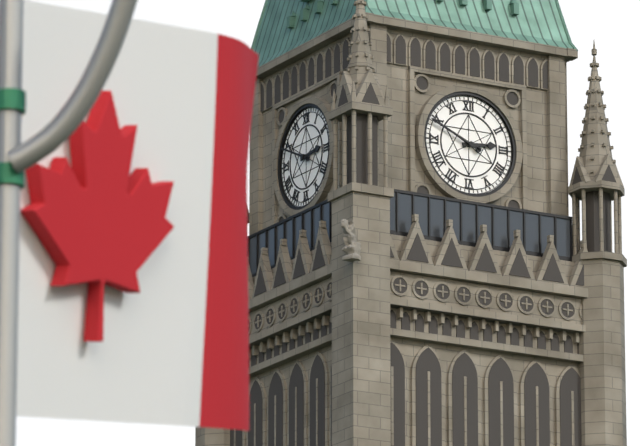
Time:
h=2 m=49
